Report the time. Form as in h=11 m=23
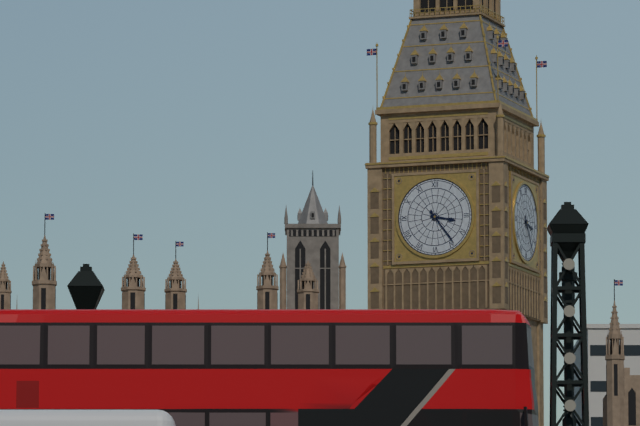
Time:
h=3 m=24
